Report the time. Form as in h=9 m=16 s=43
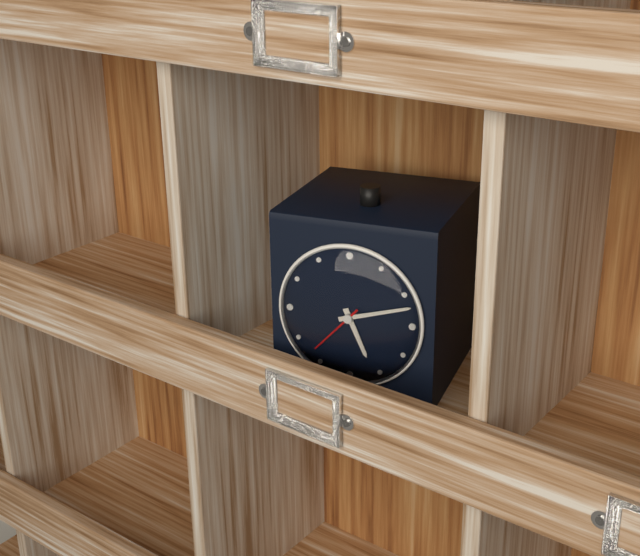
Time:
h=5 m=12 s=37
